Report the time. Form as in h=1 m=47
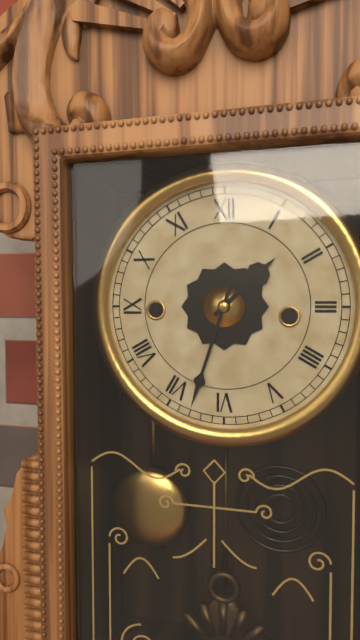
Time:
h=1 m=33
